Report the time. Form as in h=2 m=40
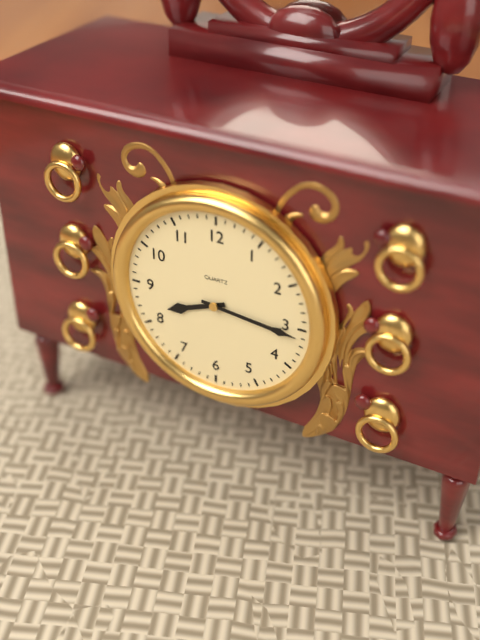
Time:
h=8 m=16
